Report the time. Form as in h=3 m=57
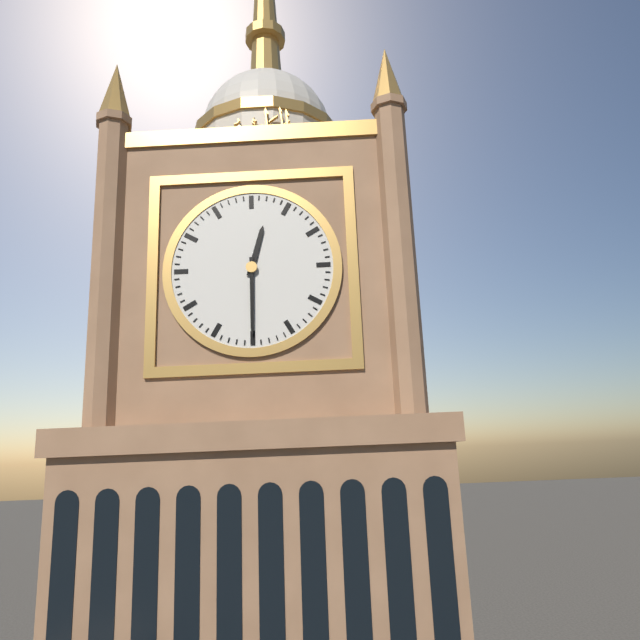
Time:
h=12 m=30
